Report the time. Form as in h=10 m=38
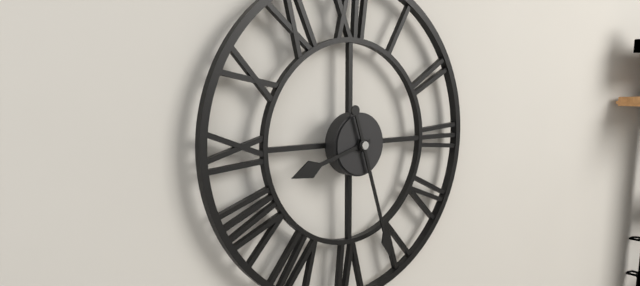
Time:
h=8 m=27
